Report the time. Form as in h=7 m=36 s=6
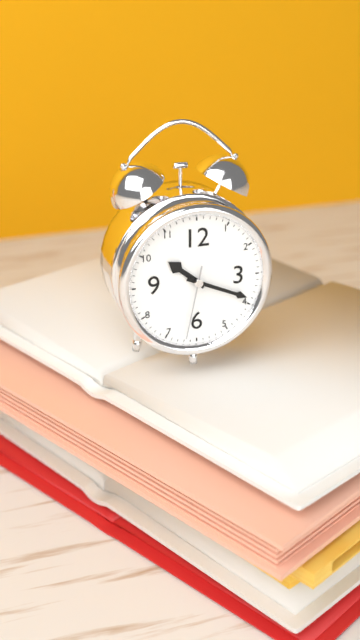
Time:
h=10 m=19 s=32
